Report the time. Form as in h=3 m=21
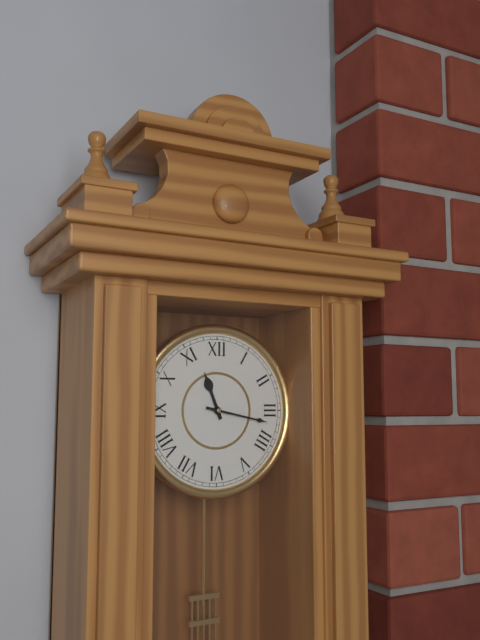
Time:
h=11 m=17
